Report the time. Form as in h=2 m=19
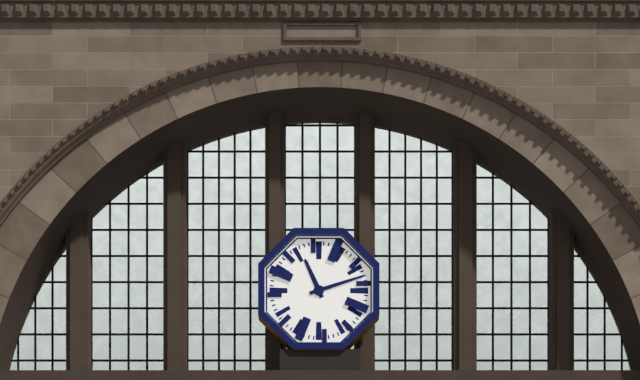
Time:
h=11 m=12
